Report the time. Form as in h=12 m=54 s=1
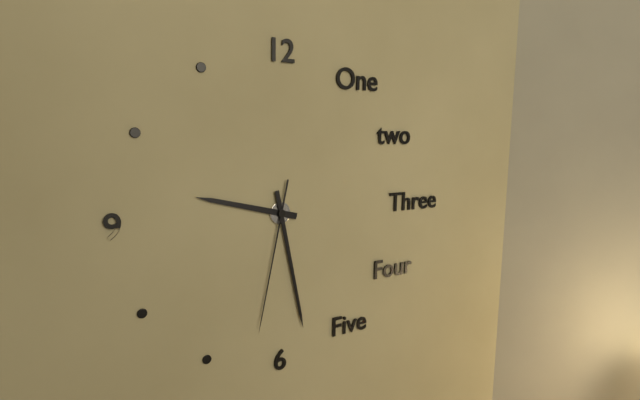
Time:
h=9 m=28 s=32
